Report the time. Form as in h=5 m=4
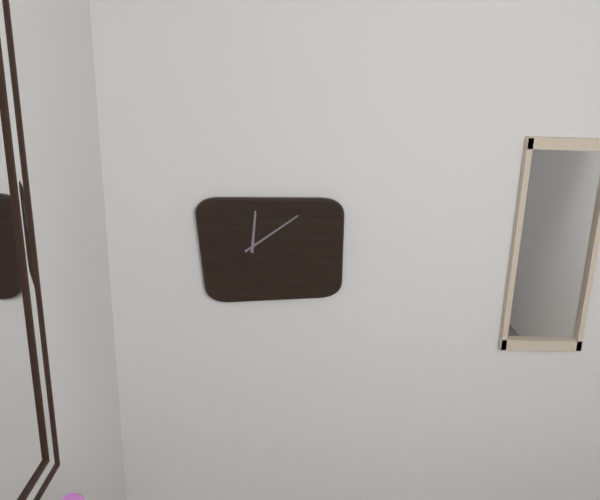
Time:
h=12 m=9
